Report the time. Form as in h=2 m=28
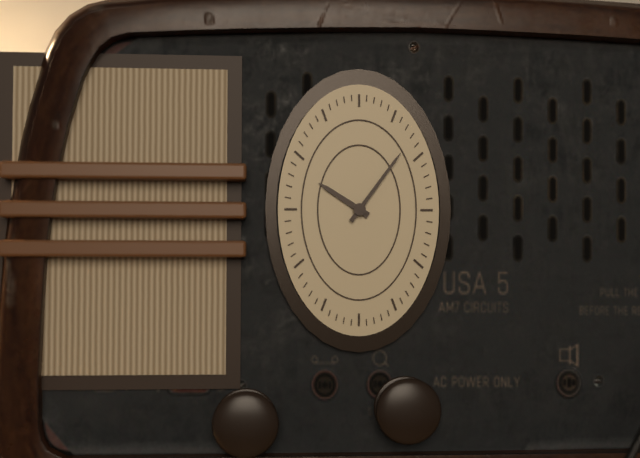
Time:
h=10 m=6
